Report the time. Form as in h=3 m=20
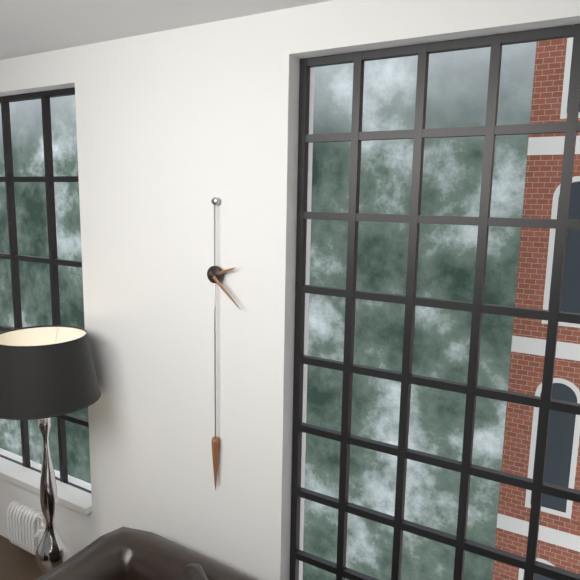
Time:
h=2 m=22
